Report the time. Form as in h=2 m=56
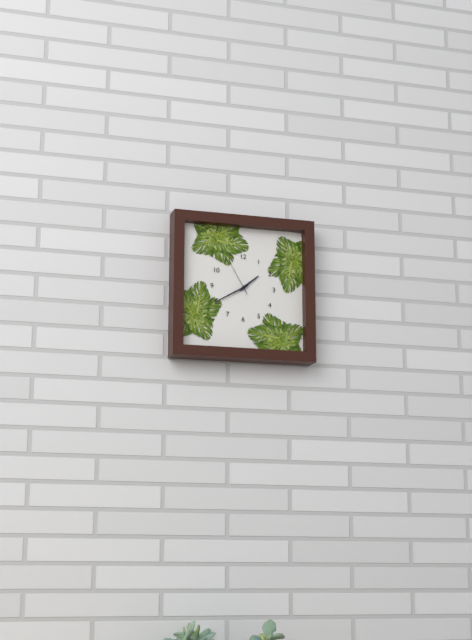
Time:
h=1 m=40
